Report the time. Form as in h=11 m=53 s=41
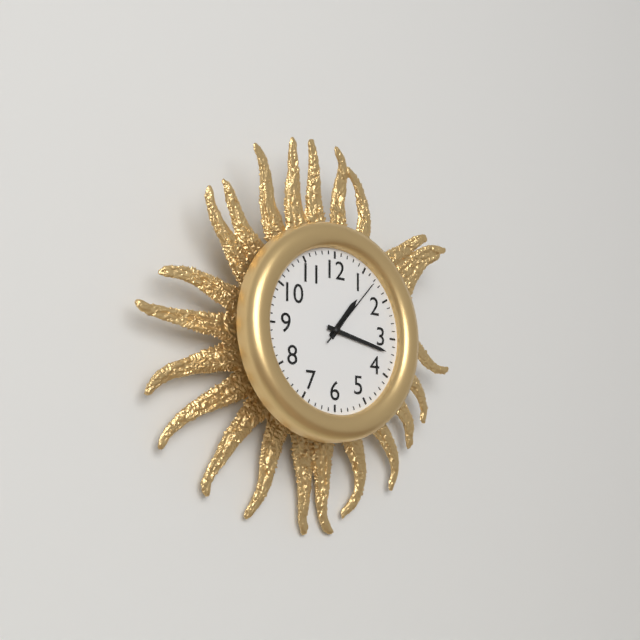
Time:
h=1 m=17 s=7
